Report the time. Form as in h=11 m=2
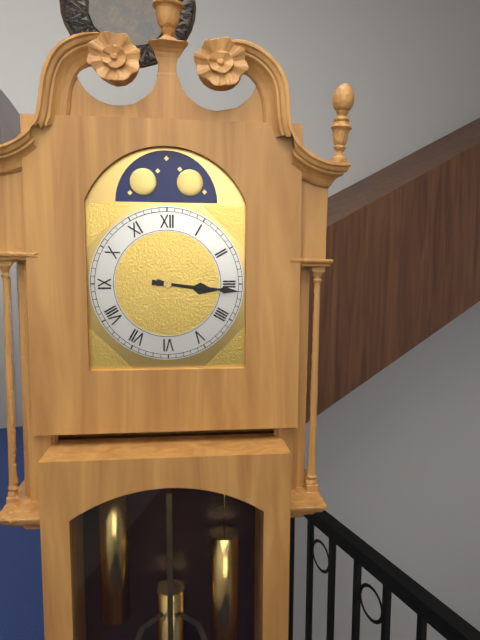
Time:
h=3 m=16
